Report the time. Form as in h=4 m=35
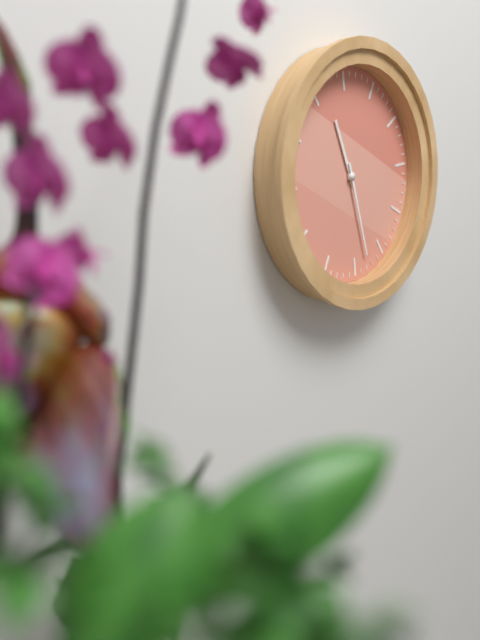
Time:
h=10 m=23
